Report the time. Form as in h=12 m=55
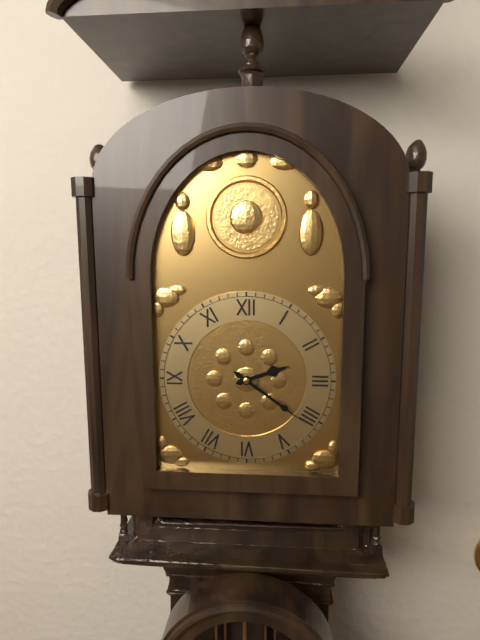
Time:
h=2 m=21
